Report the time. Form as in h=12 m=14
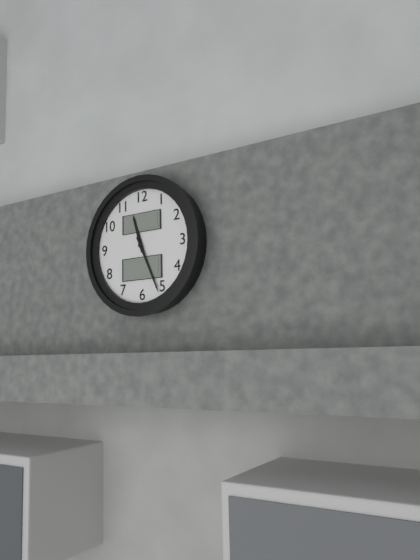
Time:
h=11 m=26
